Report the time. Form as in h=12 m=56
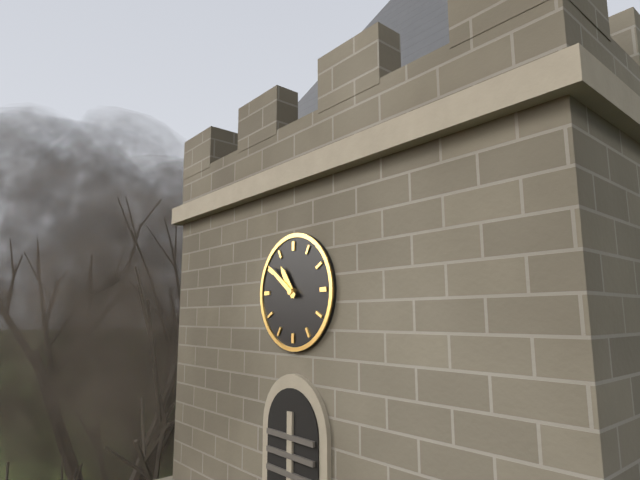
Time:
h=10 m=51
